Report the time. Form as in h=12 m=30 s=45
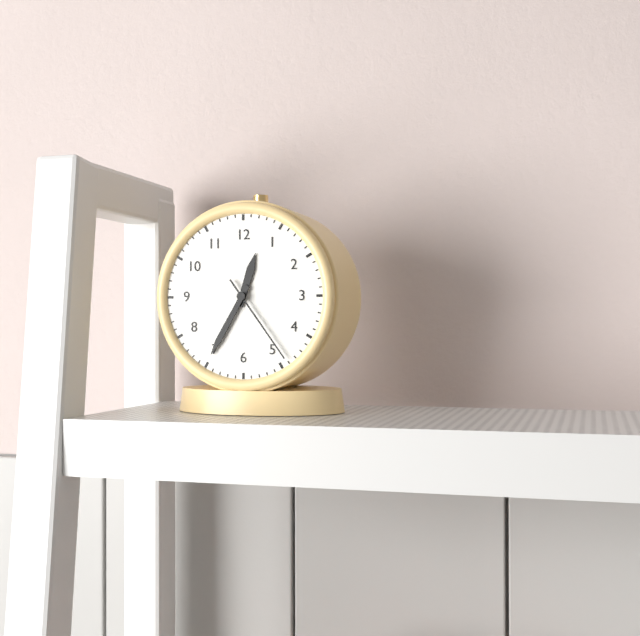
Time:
h=12 m=35 s=24
